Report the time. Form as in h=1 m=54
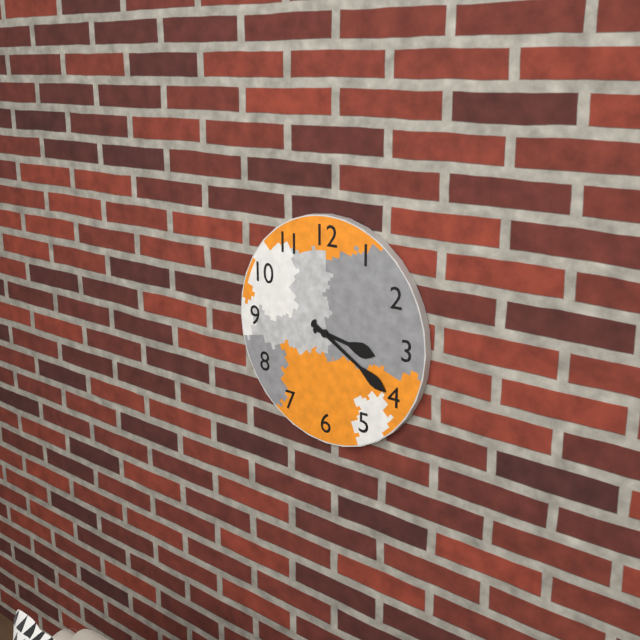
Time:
h=3 m=20
